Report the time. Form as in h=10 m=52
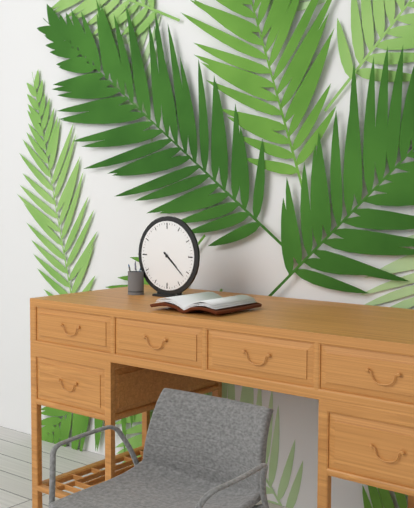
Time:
h=4 m=22
